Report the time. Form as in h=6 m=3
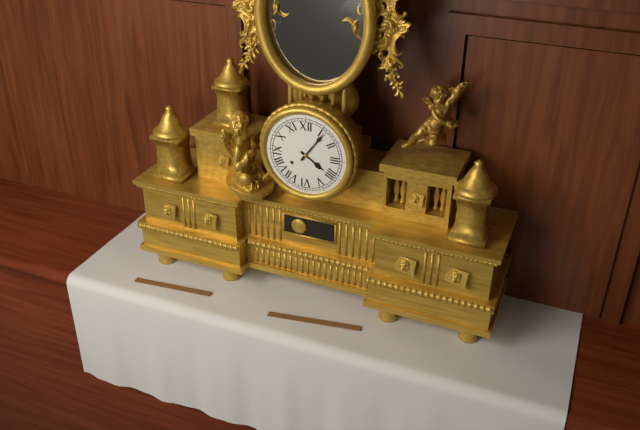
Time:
h=4 m=6
